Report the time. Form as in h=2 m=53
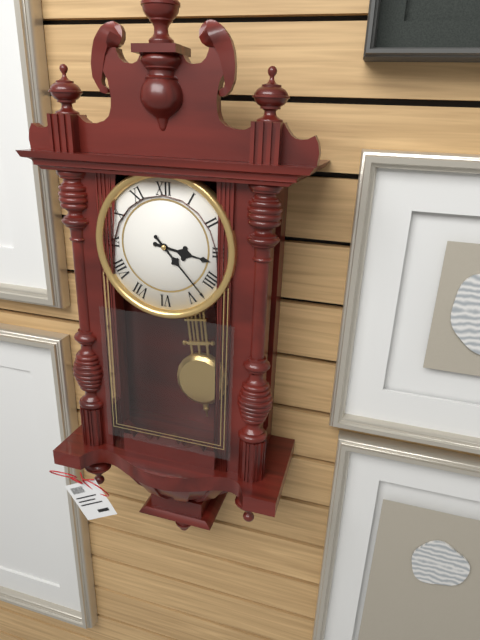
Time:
h=3 m=23
